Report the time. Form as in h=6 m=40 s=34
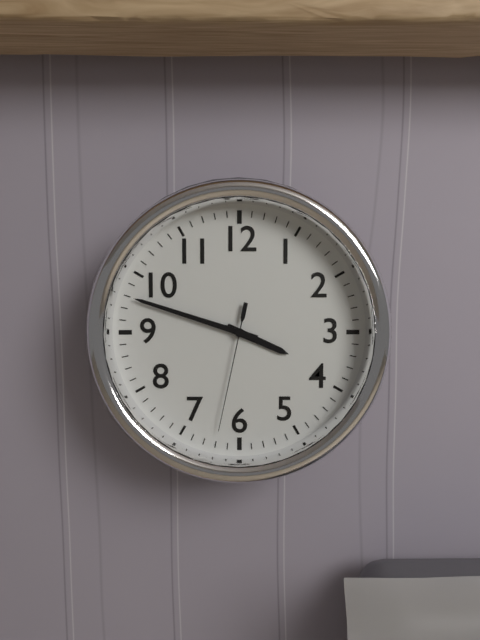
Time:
h=3 m=48 s=32
